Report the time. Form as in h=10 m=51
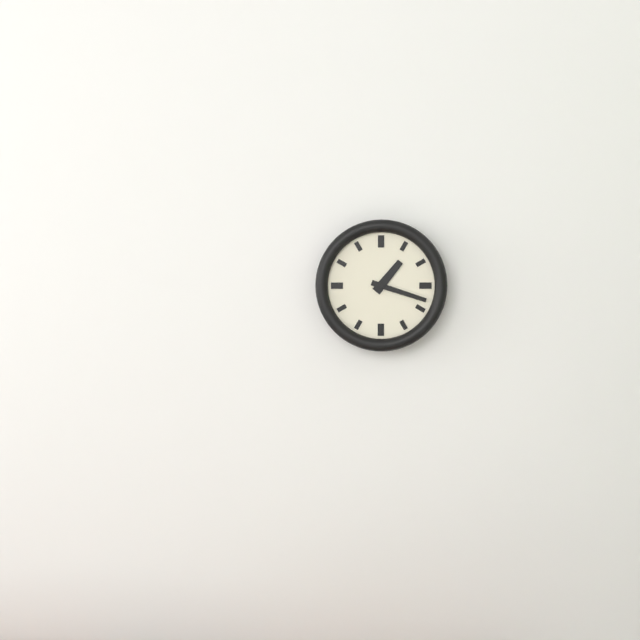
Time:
h=1 m=18
